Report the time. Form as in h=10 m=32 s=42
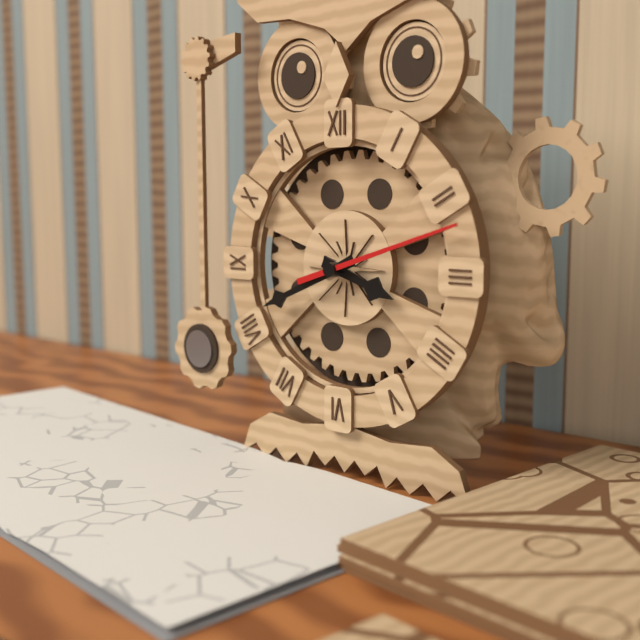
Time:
h=3 m=41 s=12
